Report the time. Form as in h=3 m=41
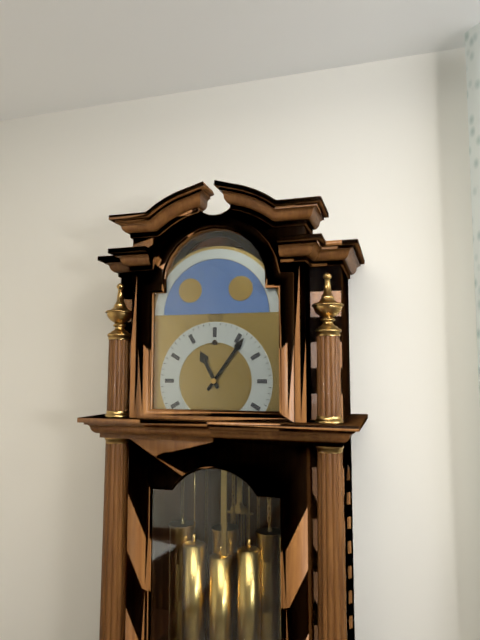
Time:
h=11 m=6
